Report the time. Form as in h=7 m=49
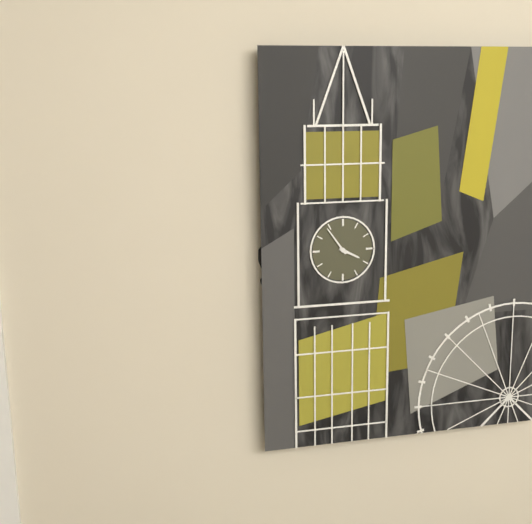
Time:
h=3 m=54
